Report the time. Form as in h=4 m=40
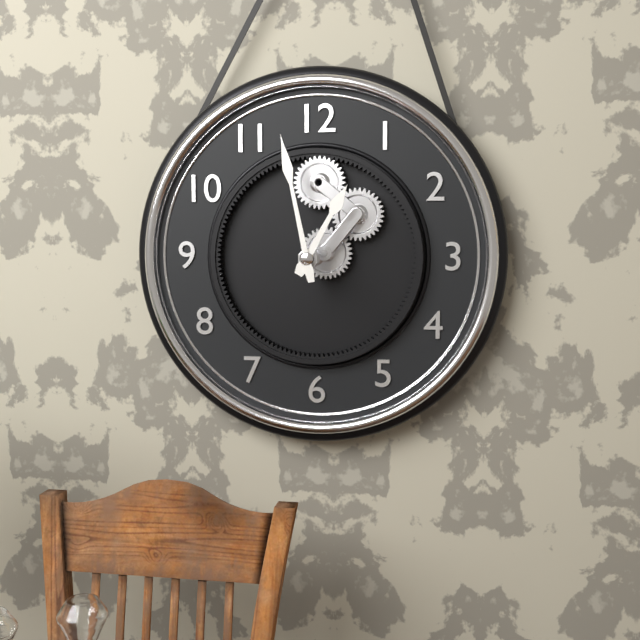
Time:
h=12 m=58
